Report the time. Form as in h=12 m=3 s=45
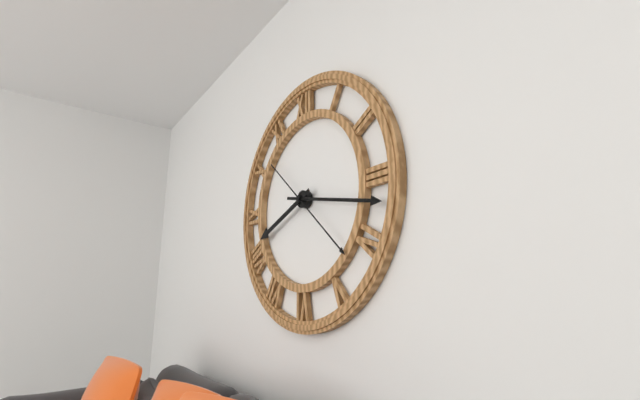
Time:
h=8 m=17 s=22
